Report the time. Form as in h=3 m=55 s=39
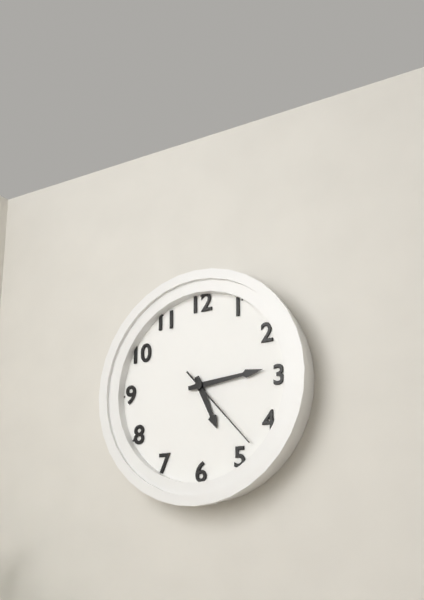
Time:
h=5 m=14 s=23
